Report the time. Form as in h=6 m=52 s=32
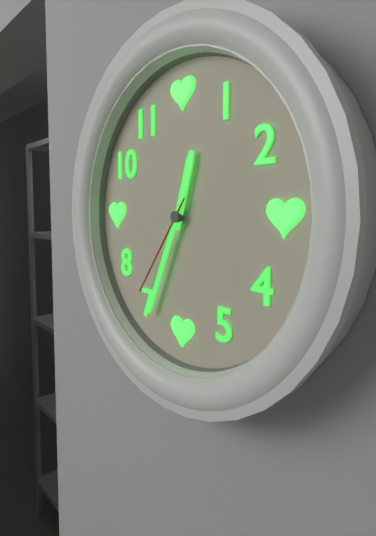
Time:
h=12 m=34 s=36
